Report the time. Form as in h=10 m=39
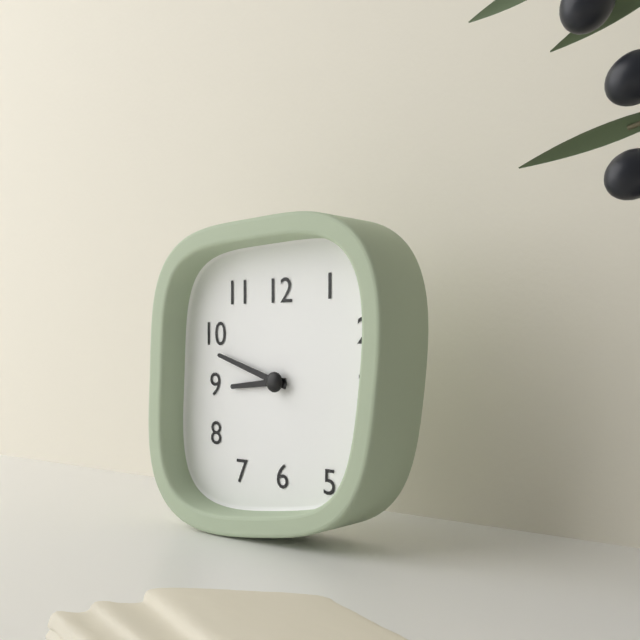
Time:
h=8 m=48
